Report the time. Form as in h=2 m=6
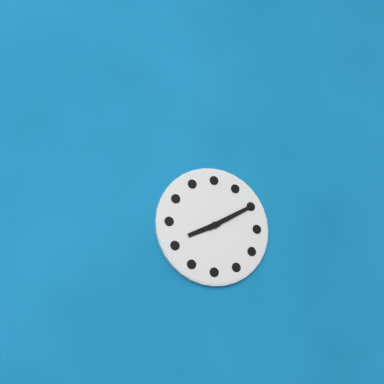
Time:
h=8 m=10
